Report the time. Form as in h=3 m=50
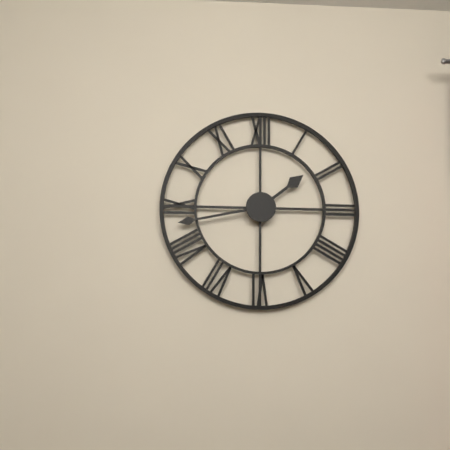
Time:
h=1 m=43
